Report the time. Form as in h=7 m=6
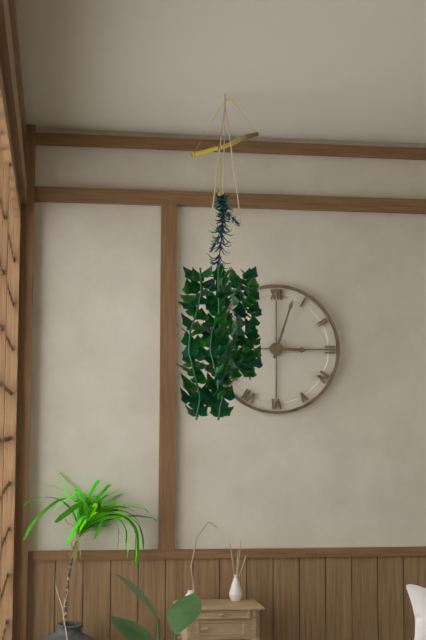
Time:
h=3 m=3
